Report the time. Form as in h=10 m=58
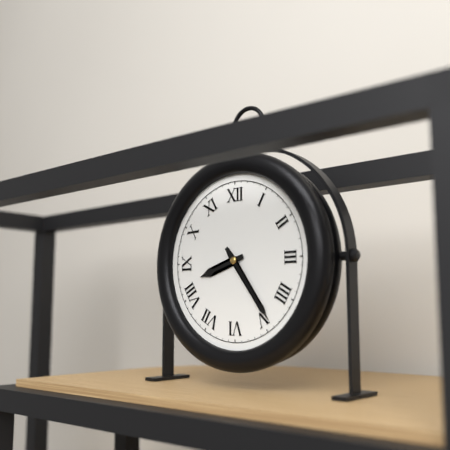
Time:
h=8 m=24
